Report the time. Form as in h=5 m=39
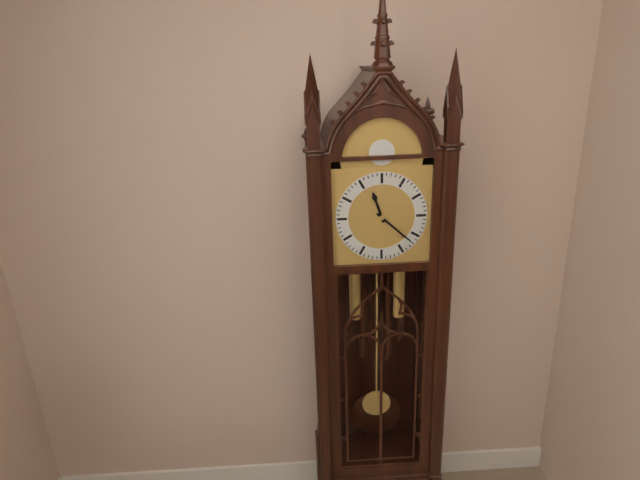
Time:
h=11 m=22
